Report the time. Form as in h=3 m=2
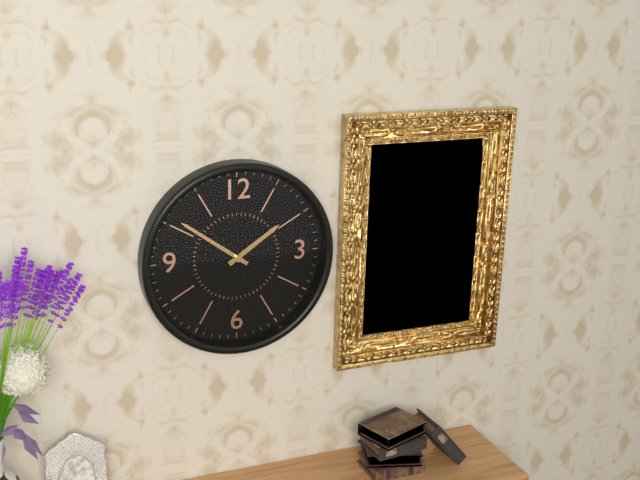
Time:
h=1 m=51
